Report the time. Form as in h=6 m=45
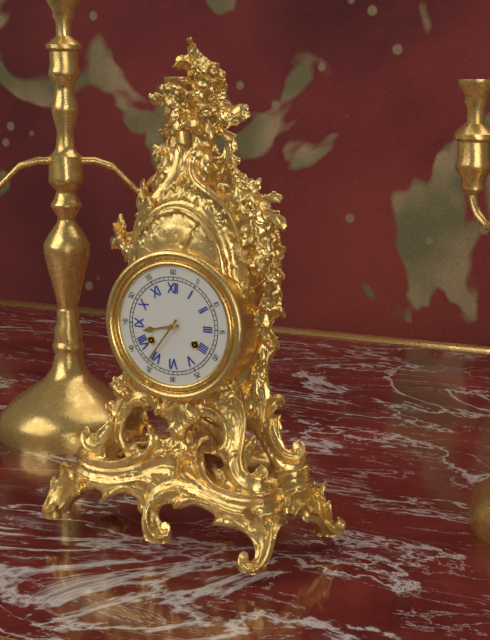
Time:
h=8 m=36
